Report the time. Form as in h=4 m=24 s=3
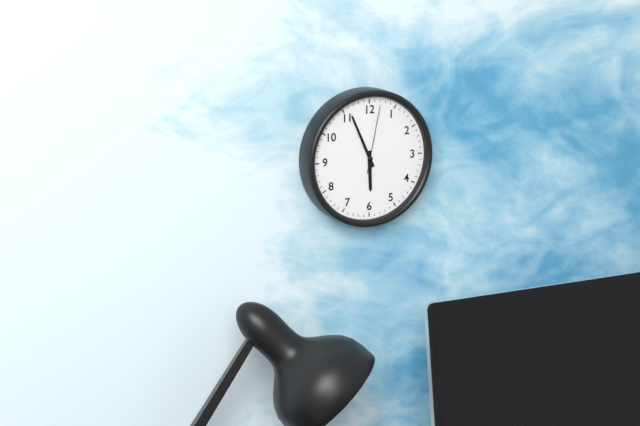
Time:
h=5 m=56 s=2
